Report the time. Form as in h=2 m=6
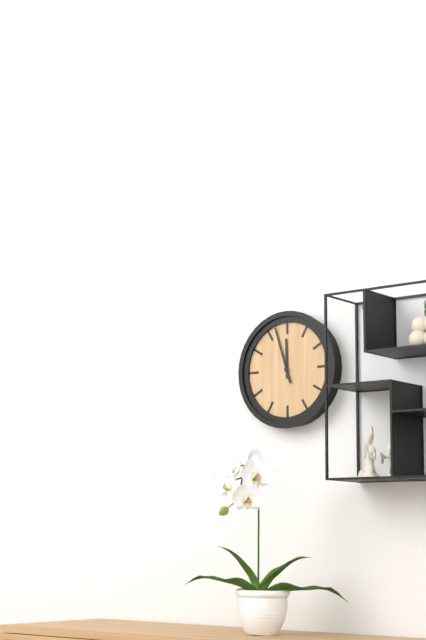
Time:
h=11 m=57
